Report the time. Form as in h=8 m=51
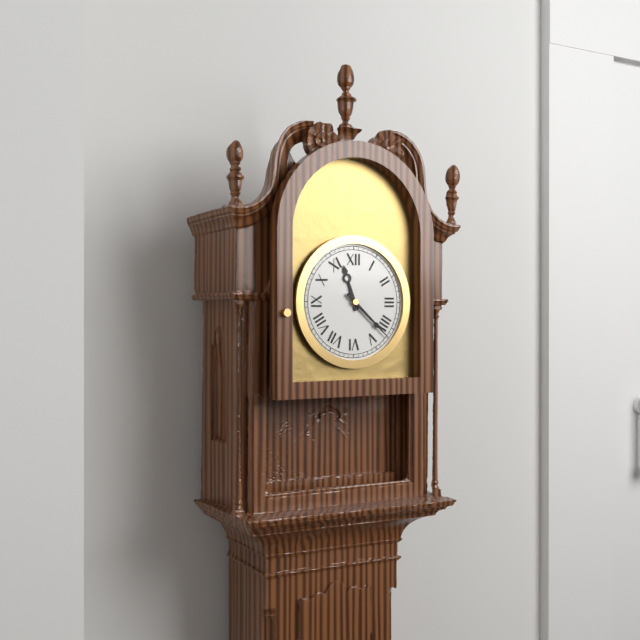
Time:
h=11 m=22
